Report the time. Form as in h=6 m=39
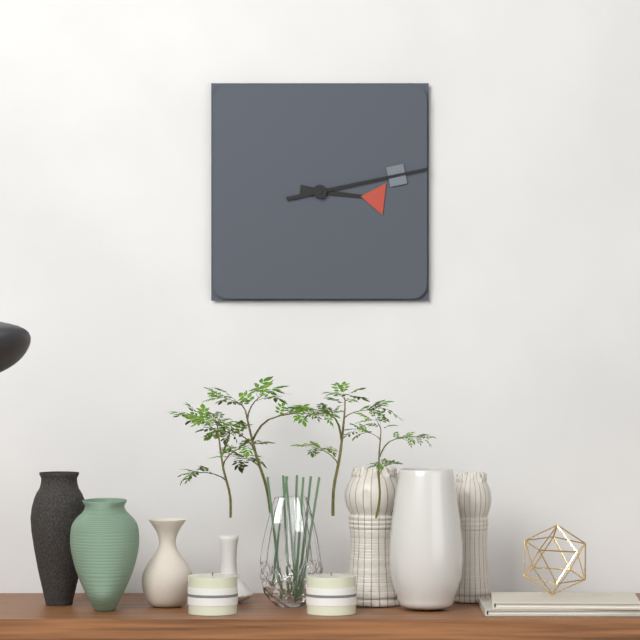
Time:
h=3 m=13
